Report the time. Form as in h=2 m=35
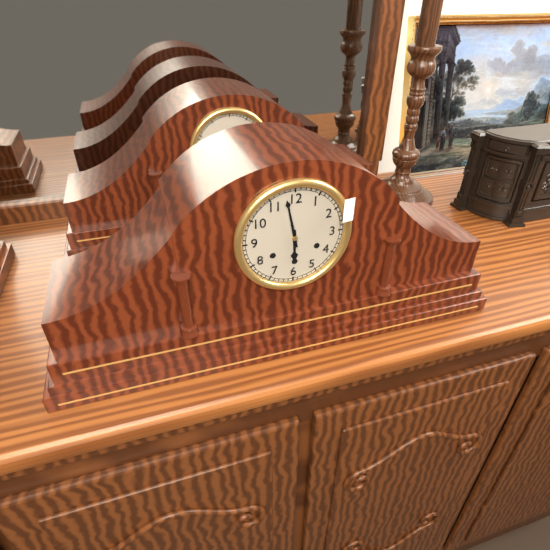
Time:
h=5 m=58
